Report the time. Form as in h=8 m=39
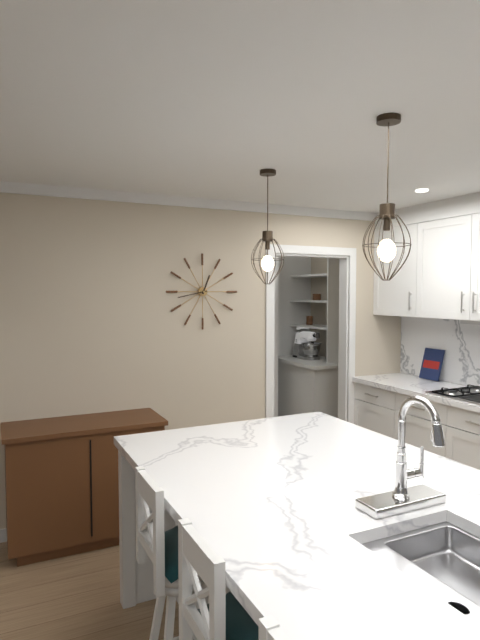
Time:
h=12 m=43
